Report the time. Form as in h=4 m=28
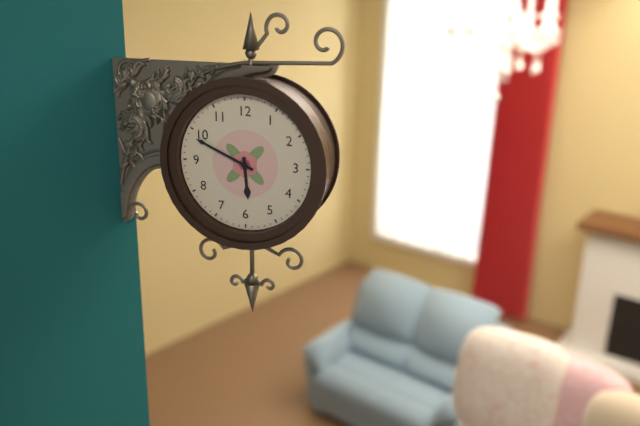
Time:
h=5 m=49
